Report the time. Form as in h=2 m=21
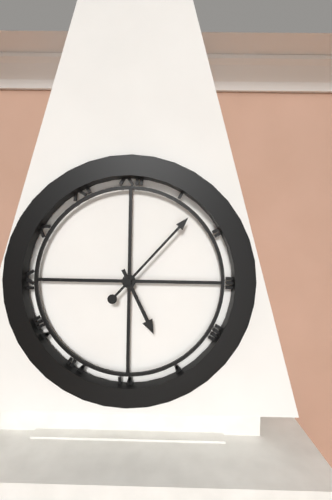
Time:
h=5 m=7
